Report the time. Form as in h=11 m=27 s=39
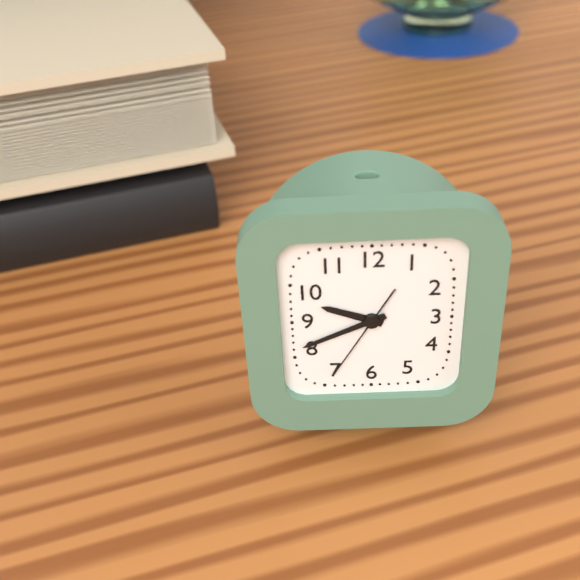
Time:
h=9 m=41 s=35
